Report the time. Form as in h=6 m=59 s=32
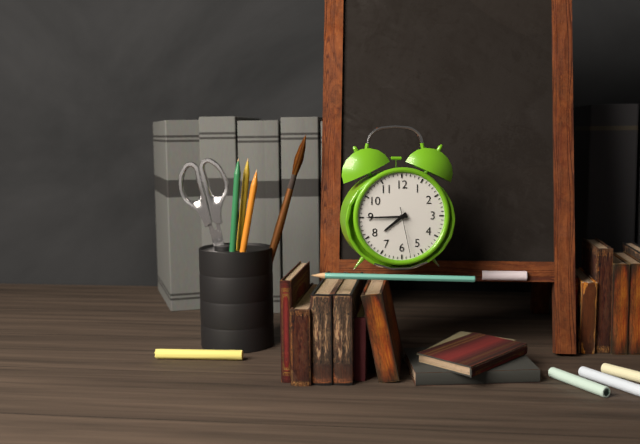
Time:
h=7 m=45 s=28
